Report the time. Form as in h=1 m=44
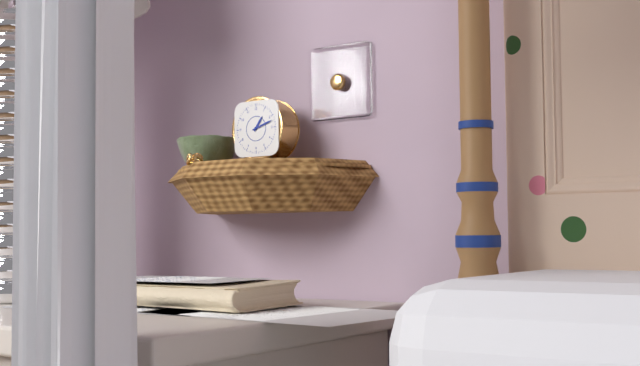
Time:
h=1 m=12
